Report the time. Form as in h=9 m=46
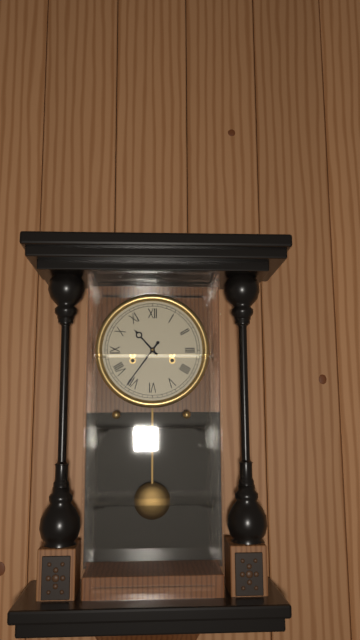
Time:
h=10 m=36
